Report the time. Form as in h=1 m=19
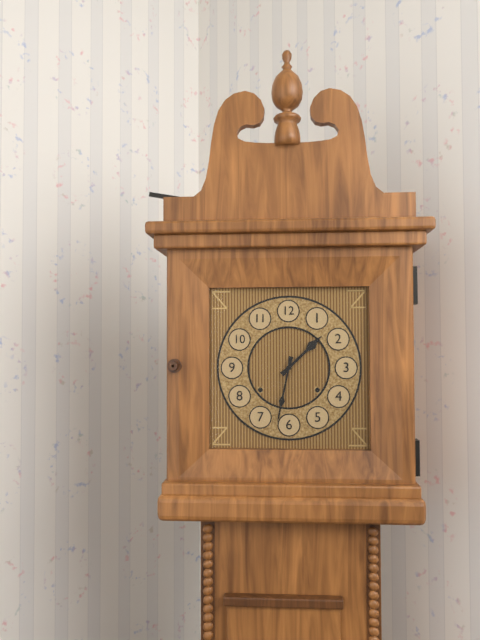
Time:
h=1 m=32
